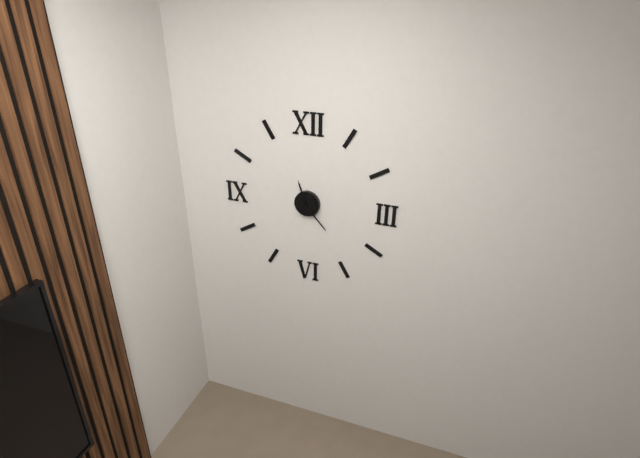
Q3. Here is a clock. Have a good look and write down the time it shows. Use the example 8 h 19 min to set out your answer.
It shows 11 h 23 min
